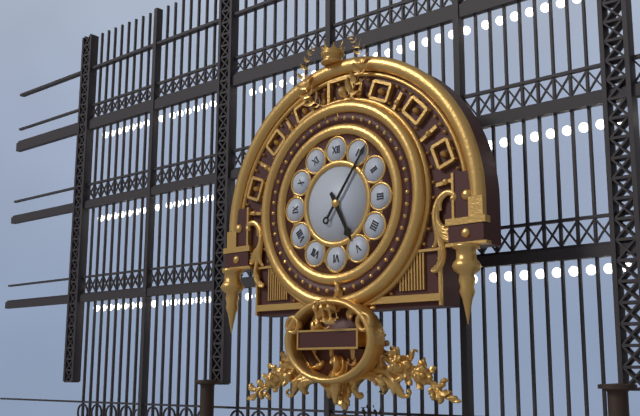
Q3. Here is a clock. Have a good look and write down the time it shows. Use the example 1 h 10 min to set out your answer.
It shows 5 h 06 min
